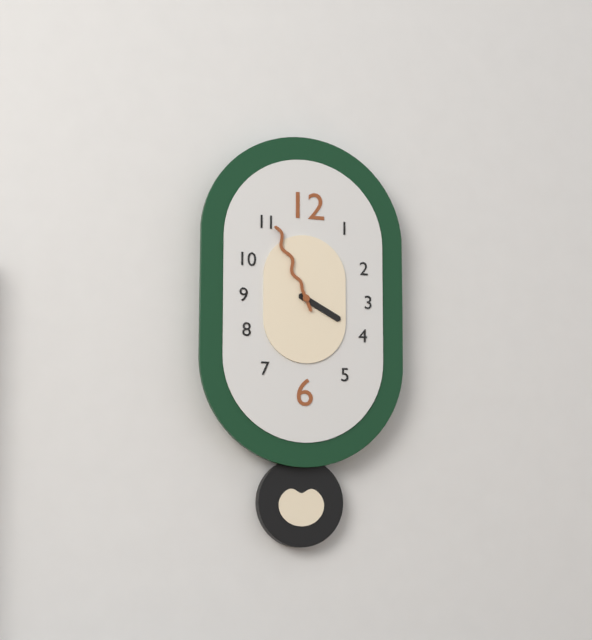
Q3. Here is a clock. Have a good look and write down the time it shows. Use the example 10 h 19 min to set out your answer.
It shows 3 h 56 min
